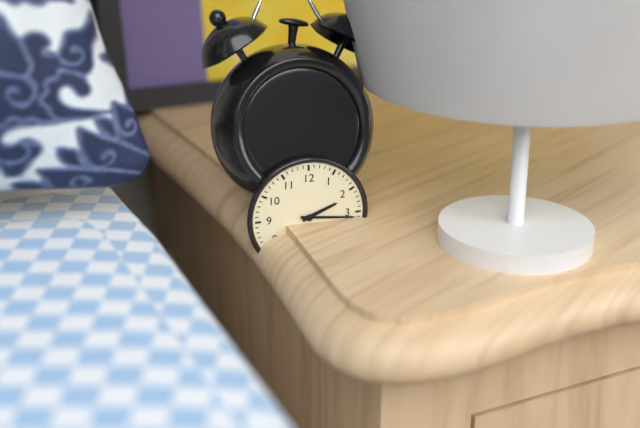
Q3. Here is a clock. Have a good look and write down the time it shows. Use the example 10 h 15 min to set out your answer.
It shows 2 h 16 min
